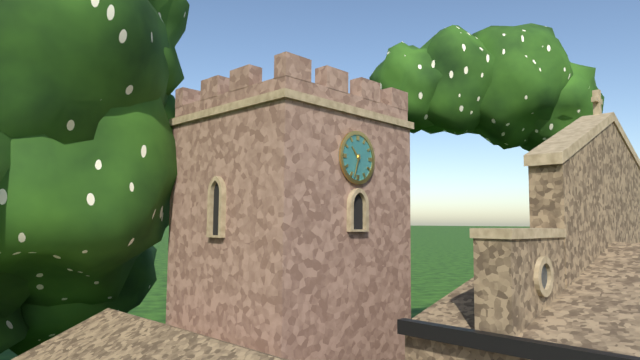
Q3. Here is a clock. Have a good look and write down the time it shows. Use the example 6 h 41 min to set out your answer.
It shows 10 h 33 min
